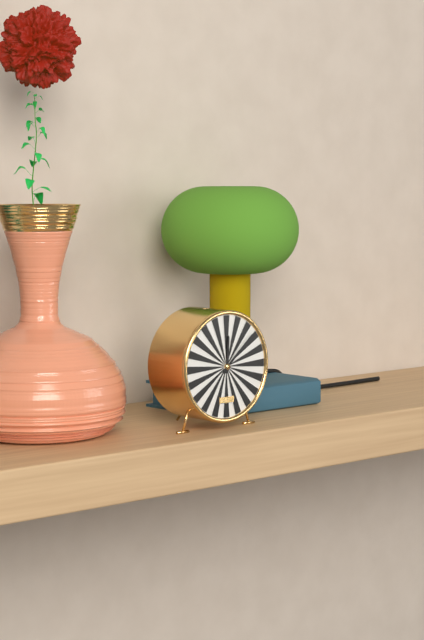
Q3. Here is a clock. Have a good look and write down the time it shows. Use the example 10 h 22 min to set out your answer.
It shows 12 h 08 min
